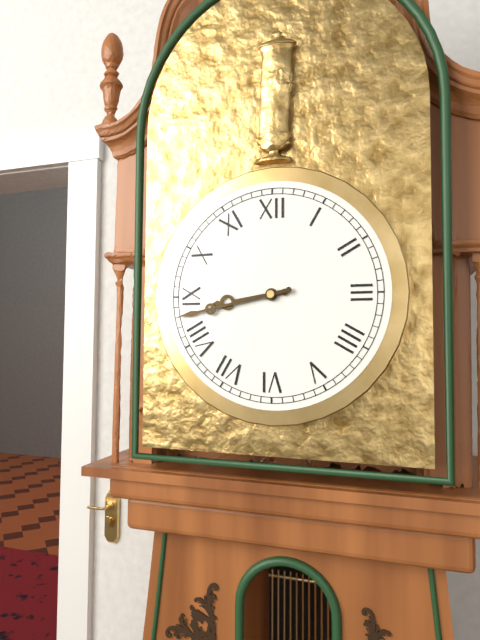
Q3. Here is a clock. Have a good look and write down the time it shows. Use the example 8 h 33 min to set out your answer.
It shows 8 h 43 min
